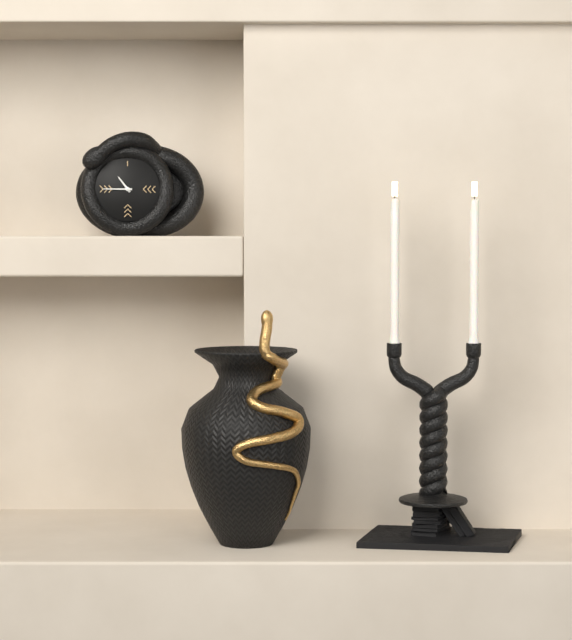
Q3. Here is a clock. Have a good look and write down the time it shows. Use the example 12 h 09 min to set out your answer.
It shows 10 h 45 min
